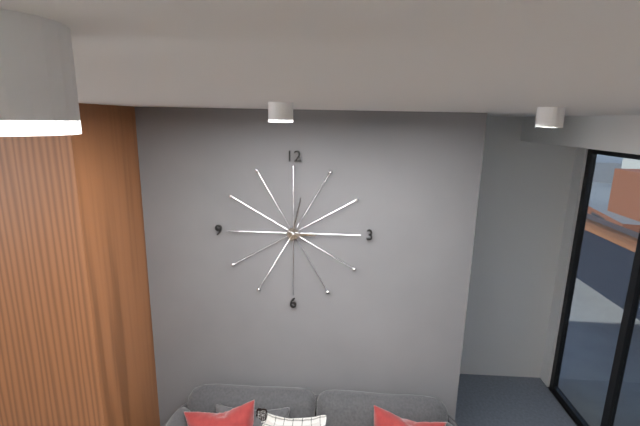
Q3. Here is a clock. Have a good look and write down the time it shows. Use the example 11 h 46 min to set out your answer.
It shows 3 h 02 min
